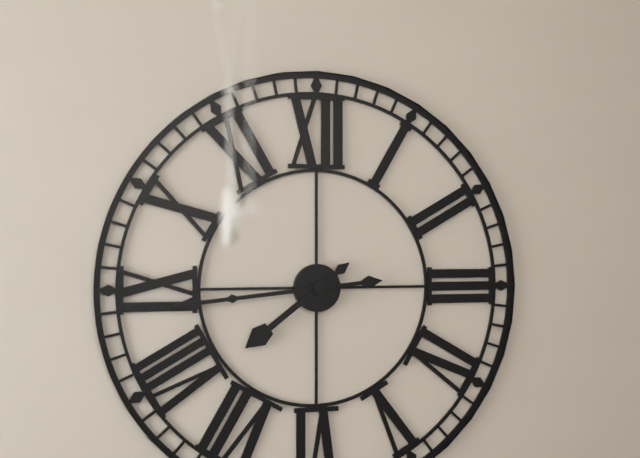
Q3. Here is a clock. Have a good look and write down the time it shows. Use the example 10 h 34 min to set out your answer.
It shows 7 h 44 min
